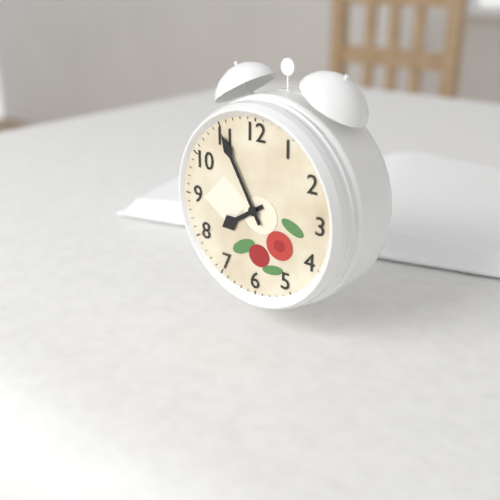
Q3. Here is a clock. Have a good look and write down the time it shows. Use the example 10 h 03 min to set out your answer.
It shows 7 h 55 min
